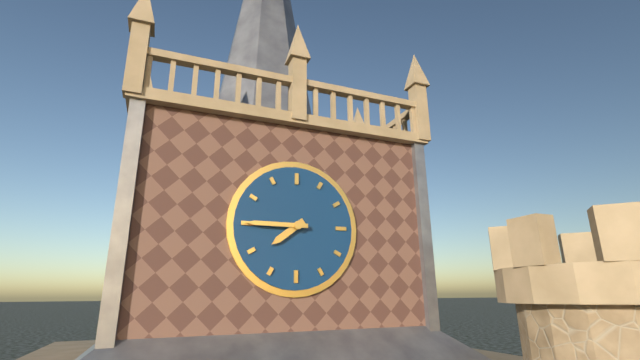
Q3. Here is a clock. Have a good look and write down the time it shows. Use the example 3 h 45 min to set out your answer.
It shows 7 h 45 min
